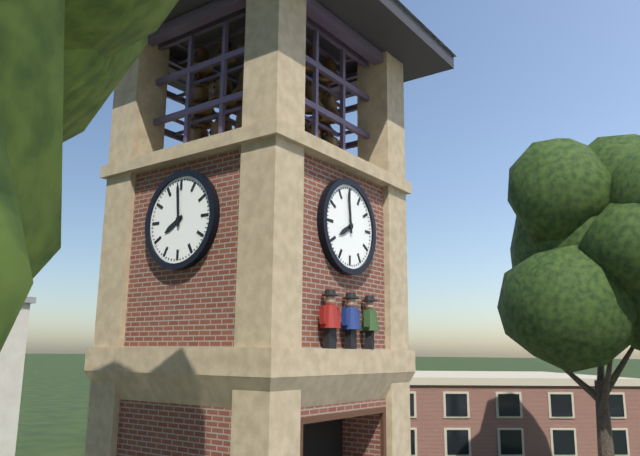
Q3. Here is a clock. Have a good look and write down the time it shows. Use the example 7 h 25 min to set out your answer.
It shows 7 h 59 min
